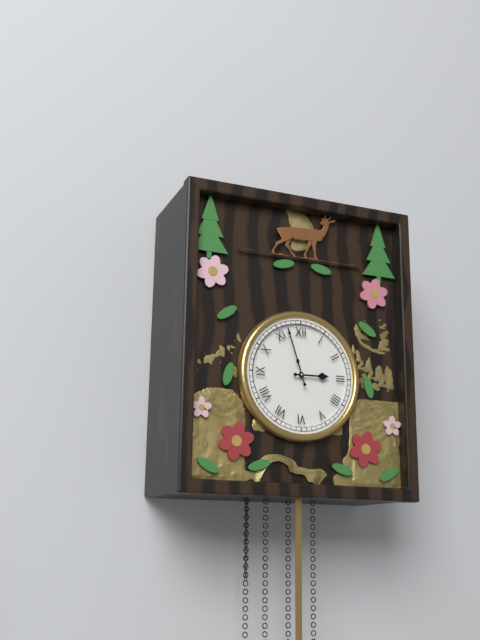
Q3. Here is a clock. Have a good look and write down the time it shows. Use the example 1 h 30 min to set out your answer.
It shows 2 h 57 min
